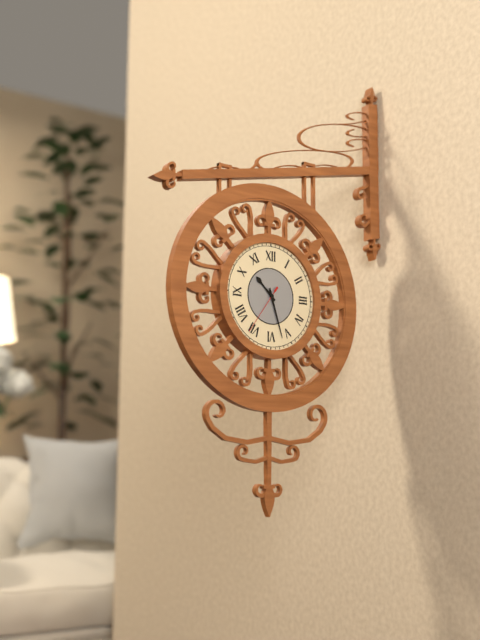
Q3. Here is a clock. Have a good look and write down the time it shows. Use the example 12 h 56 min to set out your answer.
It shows 10 h 27 min
